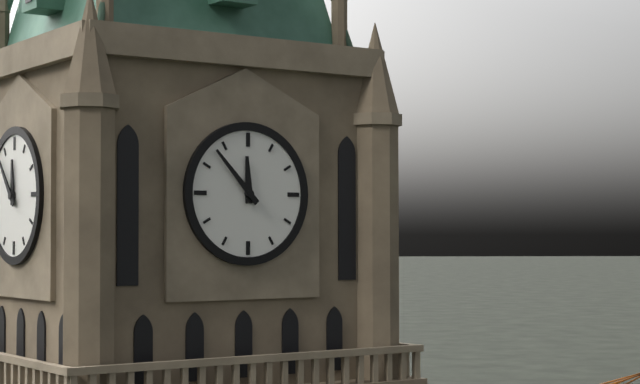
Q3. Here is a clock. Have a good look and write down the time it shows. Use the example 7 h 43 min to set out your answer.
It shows 11 h 53 min
